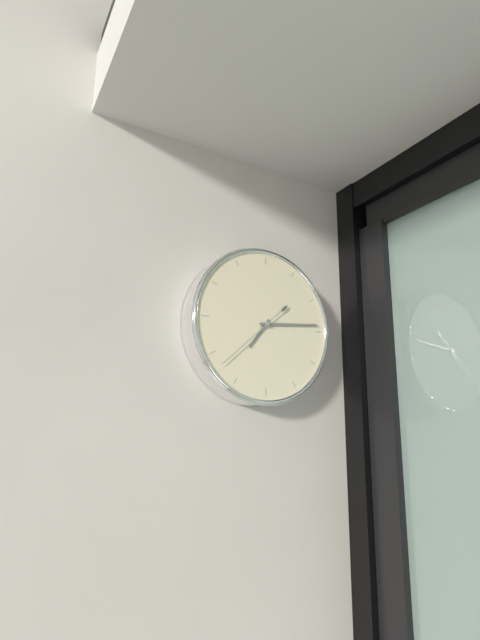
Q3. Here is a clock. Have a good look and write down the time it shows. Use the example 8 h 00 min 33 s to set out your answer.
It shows 7 h 14 min 38 s
